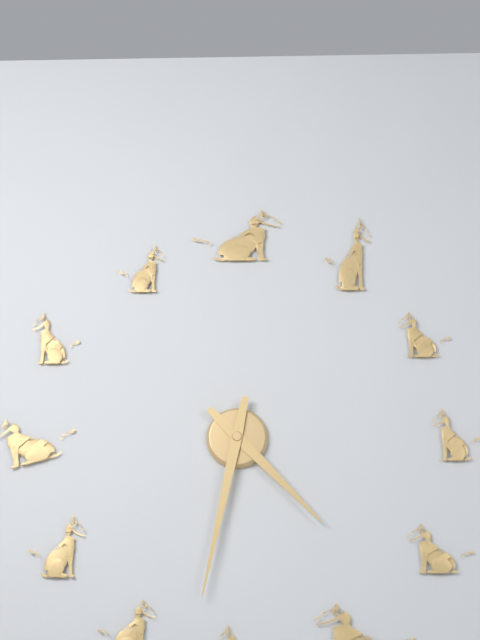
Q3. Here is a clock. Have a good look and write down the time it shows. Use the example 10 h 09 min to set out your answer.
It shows 4 h 32 min
